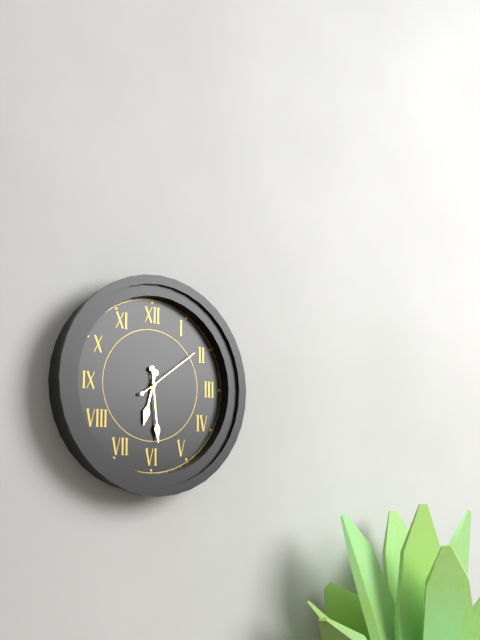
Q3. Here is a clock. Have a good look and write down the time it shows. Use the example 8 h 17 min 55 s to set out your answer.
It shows 6 h 29 min 09 s
